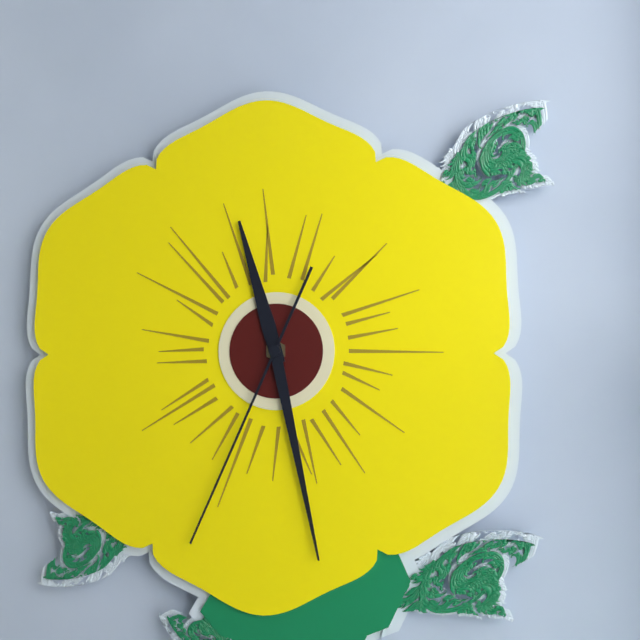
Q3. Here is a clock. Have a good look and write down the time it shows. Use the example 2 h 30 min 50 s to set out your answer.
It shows 11 h 28 min 34 s
